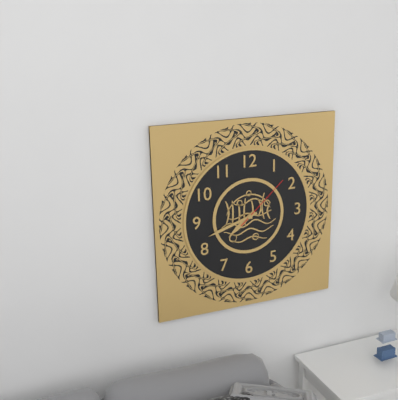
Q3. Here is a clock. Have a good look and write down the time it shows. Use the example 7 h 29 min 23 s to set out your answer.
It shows 7 h 42 min 08 s
